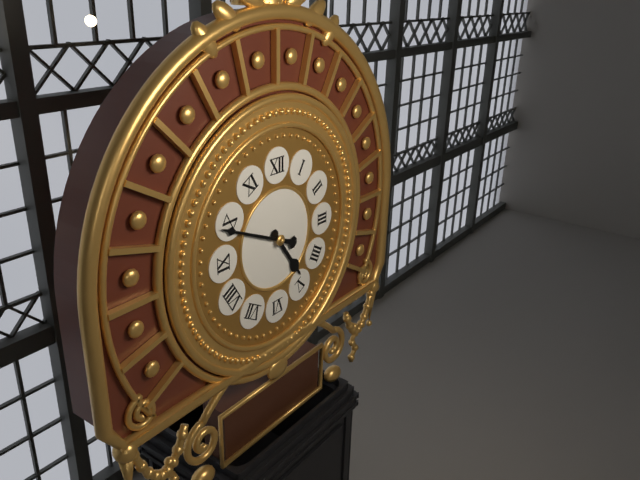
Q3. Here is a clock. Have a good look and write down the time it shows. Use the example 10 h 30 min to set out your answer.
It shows 4 h 49 min
